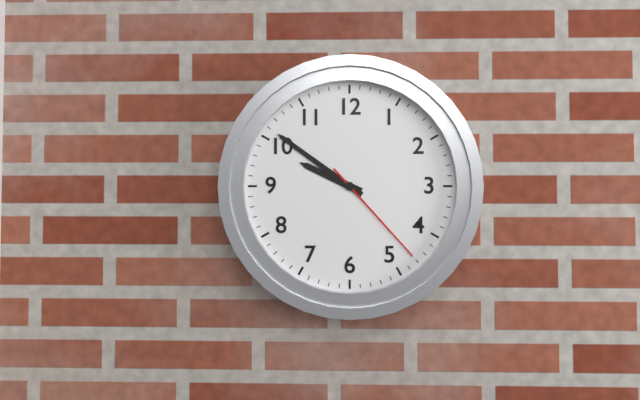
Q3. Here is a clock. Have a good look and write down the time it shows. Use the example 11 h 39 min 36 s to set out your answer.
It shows 9 h 51 min 23 s
